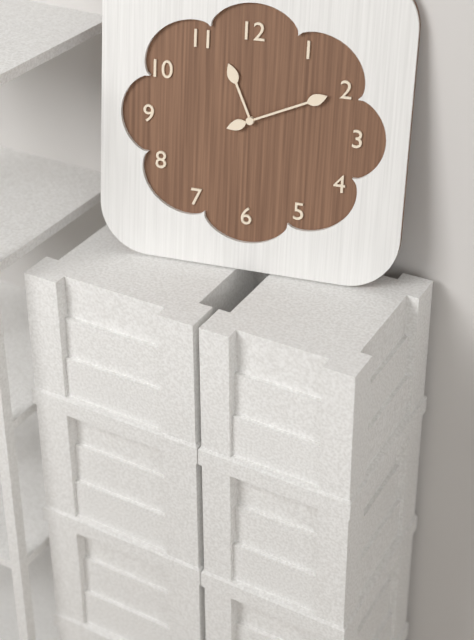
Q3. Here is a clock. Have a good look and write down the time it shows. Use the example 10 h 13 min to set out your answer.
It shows 11 h 11 min
